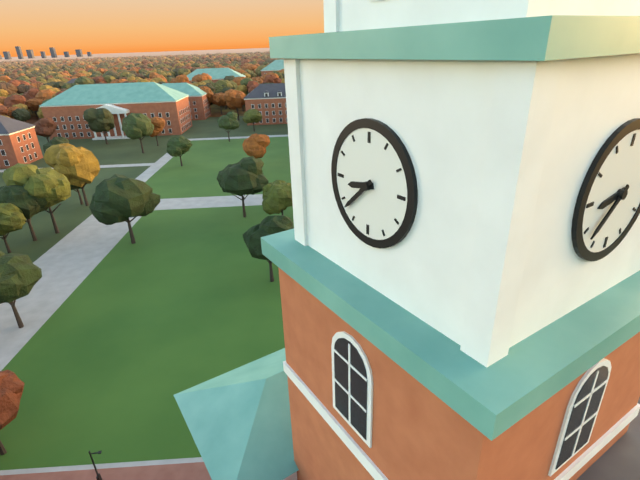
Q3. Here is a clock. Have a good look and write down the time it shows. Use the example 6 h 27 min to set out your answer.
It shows 8 h 38 min
